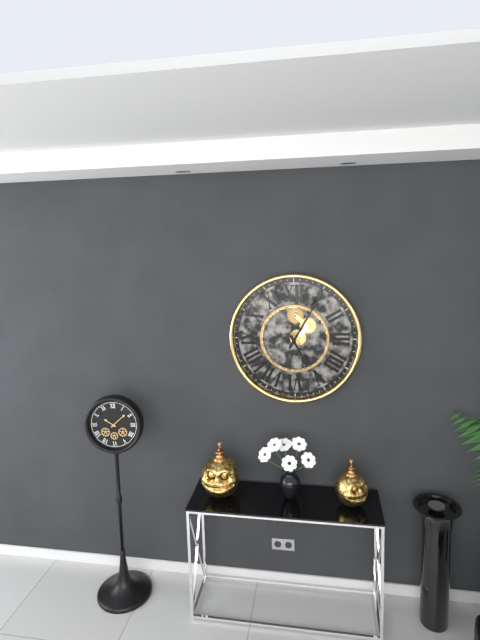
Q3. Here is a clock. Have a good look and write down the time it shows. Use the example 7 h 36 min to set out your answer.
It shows 5 h 05 min
